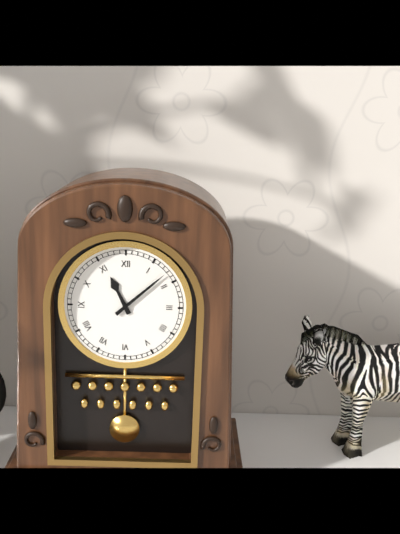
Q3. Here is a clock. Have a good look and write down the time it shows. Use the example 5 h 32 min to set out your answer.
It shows 11 h 08 min
